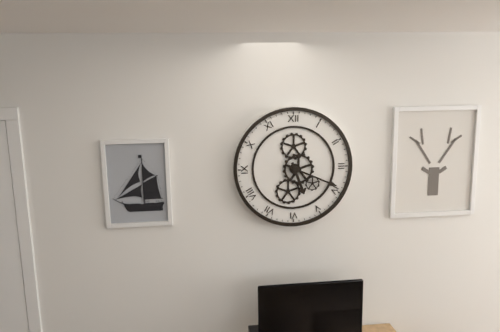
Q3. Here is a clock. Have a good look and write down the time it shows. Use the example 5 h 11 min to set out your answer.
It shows 5 h 19 min
